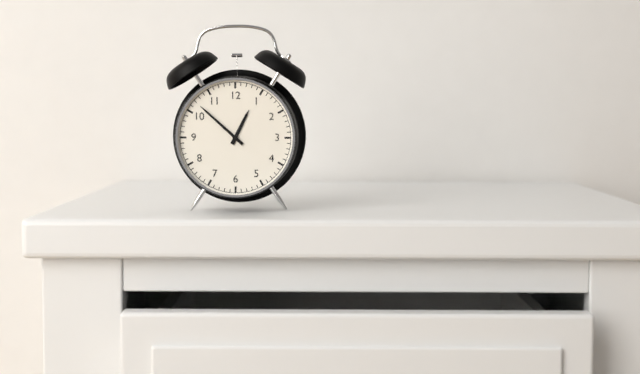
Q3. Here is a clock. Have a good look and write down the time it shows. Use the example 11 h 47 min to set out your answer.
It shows 12 h 52 min
